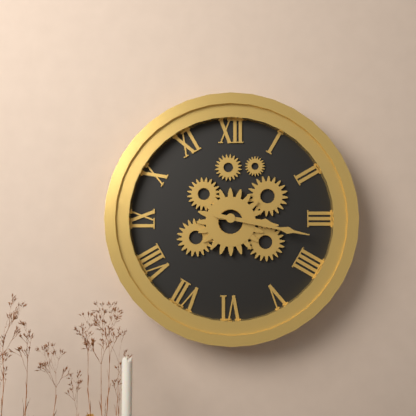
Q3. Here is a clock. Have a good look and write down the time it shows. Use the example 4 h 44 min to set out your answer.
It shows 3 h 17 min
